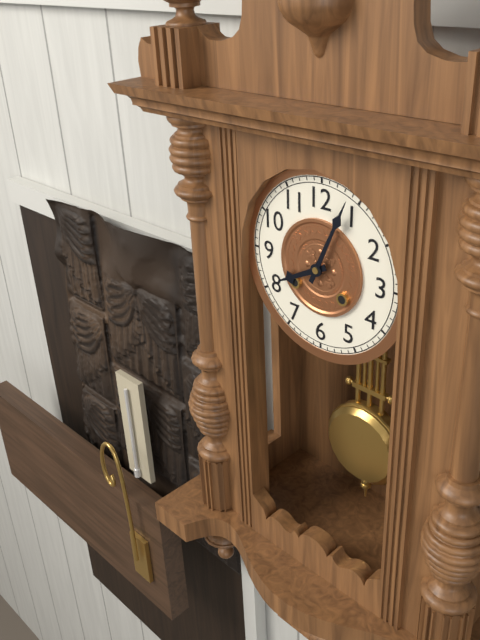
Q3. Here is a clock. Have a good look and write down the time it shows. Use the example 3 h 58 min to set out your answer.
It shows 8 h 04 min
